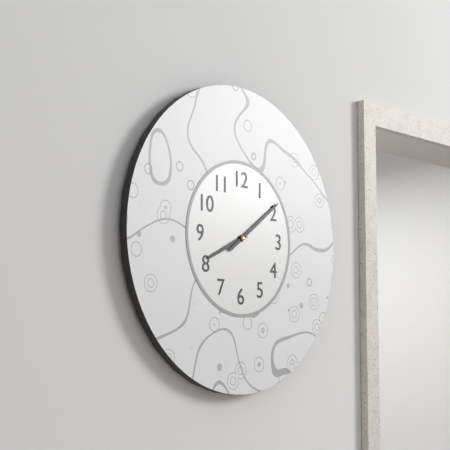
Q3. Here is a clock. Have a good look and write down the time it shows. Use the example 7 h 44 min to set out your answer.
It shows 8 h 09 min
